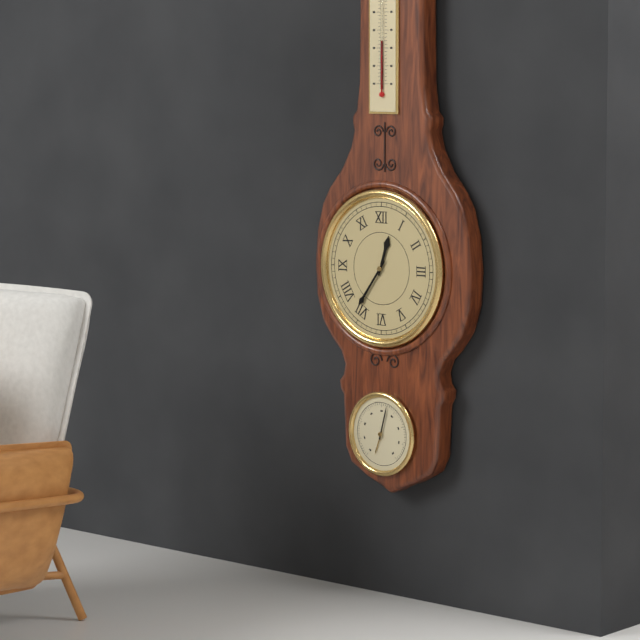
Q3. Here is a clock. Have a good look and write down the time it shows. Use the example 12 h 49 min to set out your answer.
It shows 12 h 36 min
